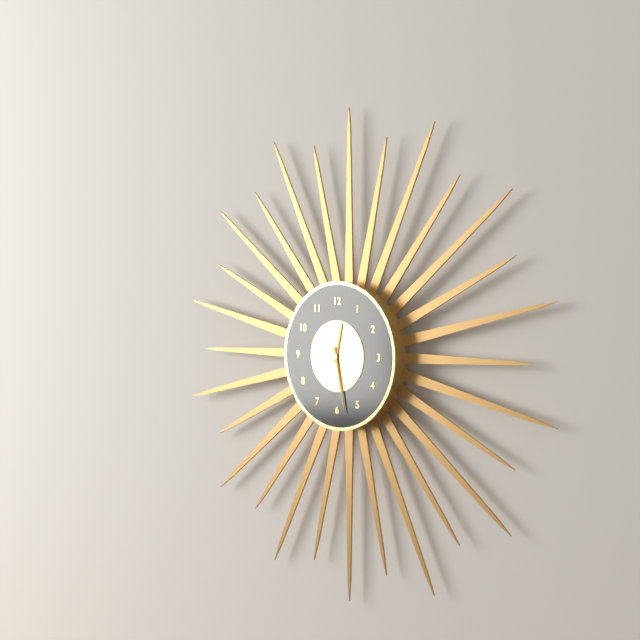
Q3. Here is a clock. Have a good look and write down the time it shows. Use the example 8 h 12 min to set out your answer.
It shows 12 h 28 min
